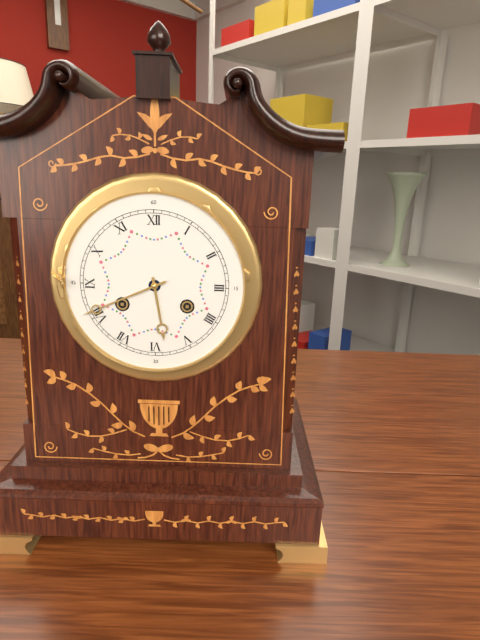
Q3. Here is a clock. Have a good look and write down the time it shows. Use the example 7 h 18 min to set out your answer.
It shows 5 h 41 min
